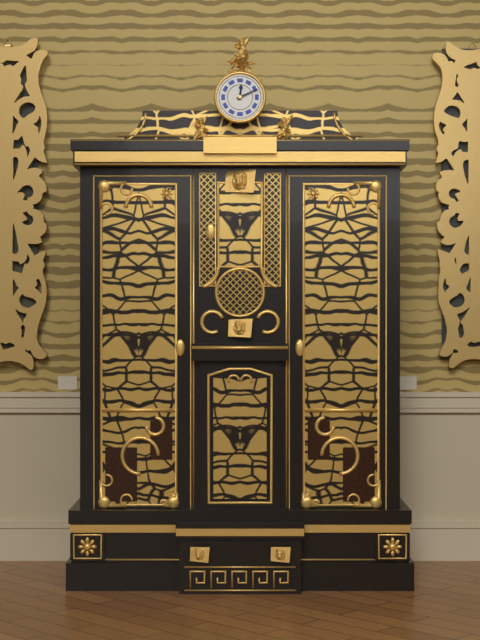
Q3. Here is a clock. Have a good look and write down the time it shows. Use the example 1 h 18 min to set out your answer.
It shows 12 h 11 min
